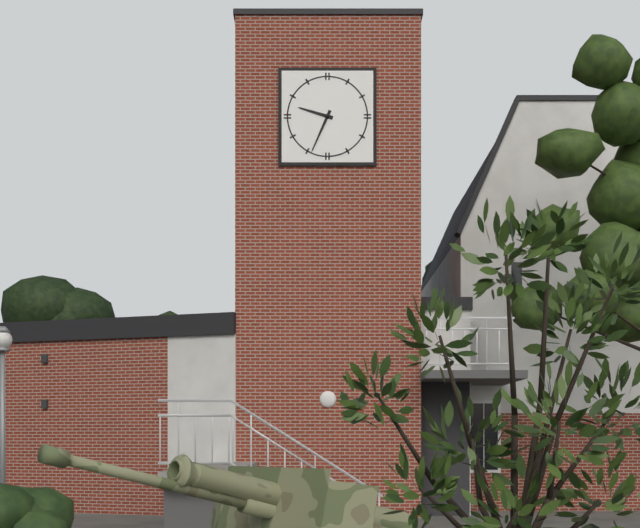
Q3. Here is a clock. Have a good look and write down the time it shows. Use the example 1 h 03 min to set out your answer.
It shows 9 h 34 min
